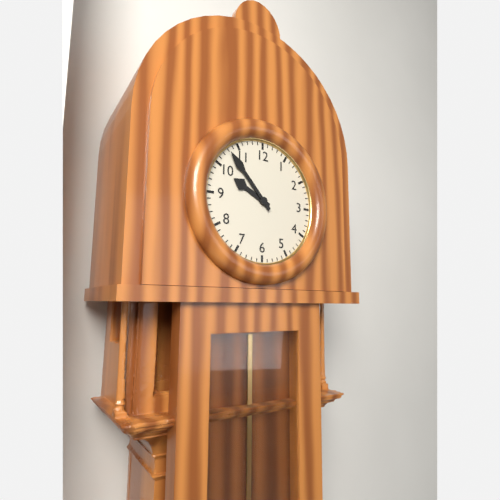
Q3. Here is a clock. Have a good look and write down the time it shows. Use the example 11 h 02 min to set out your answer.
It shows 9 h 53 min
